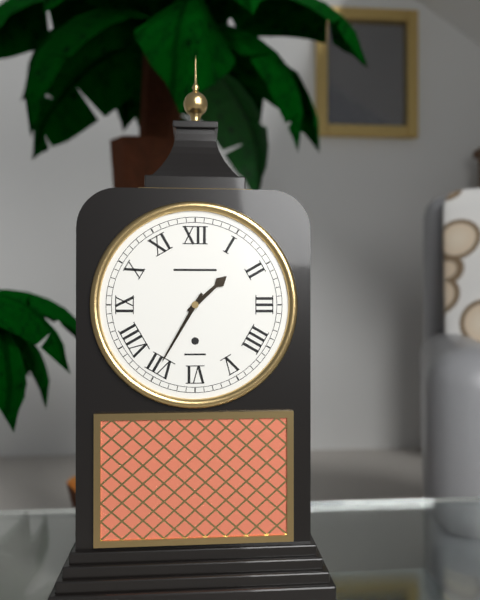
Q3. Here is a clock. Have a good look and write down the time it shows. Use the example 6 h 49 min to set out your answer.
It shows 1 h 35 min
